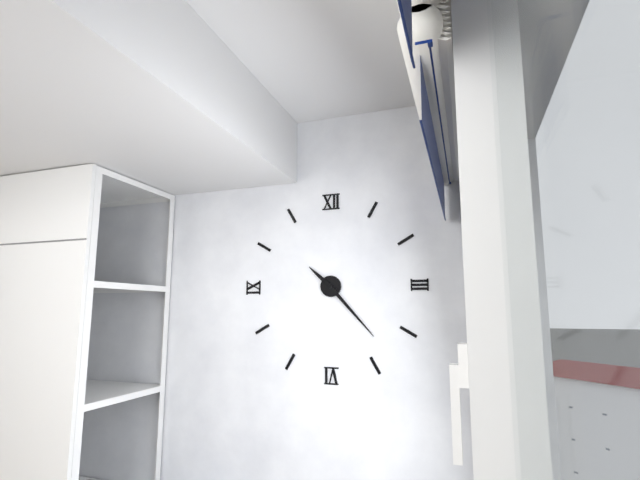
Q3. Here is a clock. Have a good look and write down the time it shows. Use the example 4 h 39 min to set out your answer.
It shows 10 h 23 min
